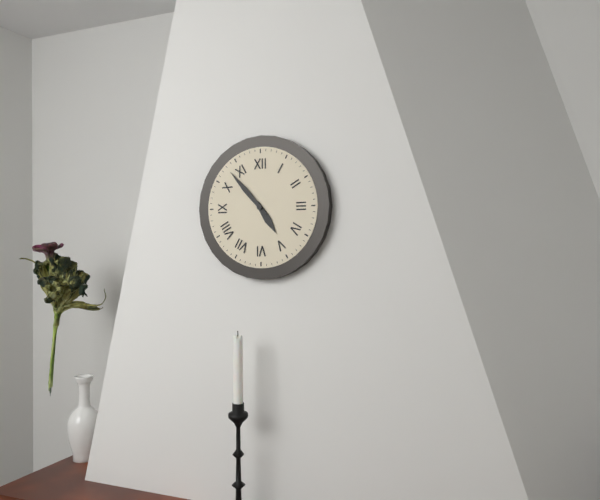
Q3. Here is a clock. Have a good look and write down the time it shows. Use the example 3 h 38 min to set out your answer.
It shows 4 h 53 min
